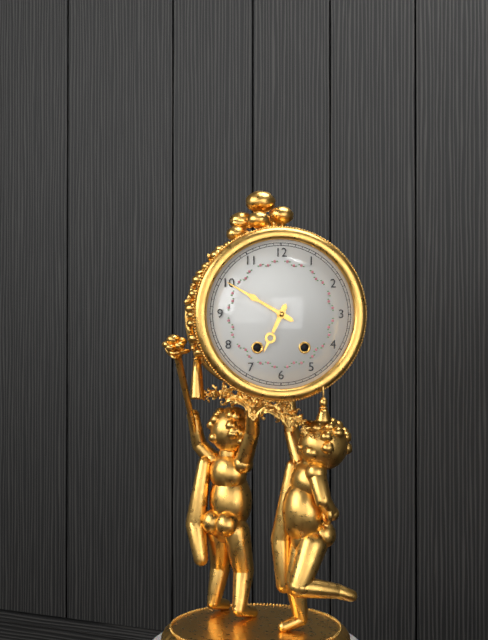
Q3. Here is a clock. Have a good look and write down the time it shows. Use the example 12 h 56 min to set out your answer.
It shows 6 h 50 min
